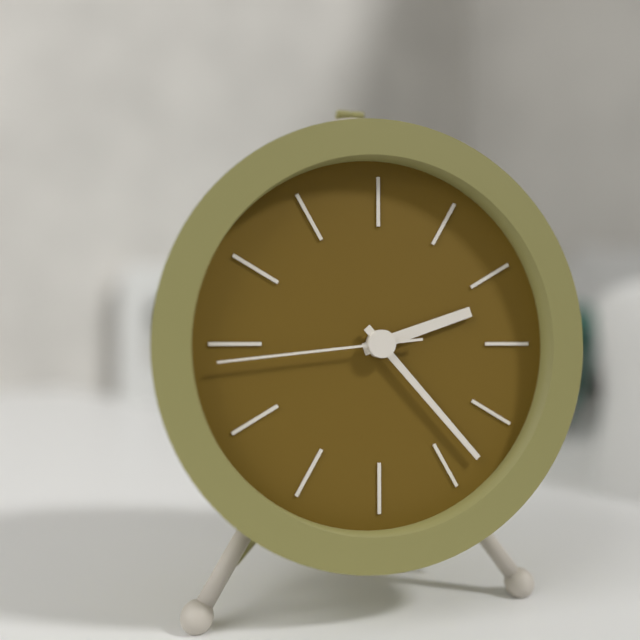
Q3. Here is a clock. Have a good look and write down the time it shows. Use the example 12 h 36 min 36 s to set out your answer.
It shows 2 h 23 min 44 s
